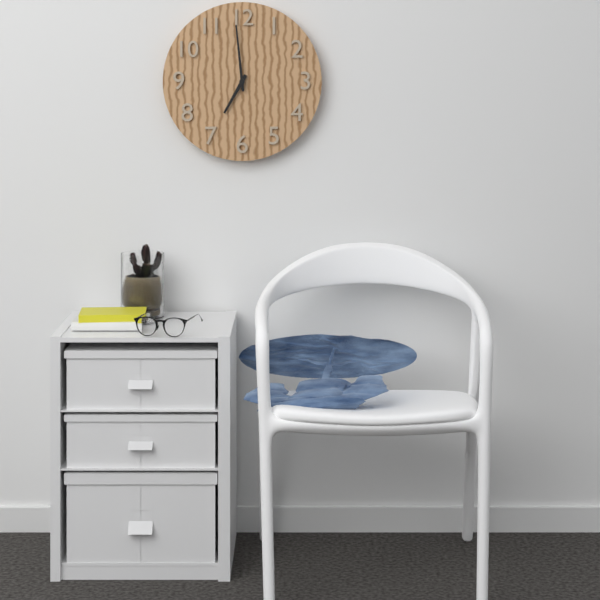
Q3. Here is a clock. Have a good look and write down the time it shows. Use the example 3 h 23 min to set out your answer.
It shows 6 h 59 min
